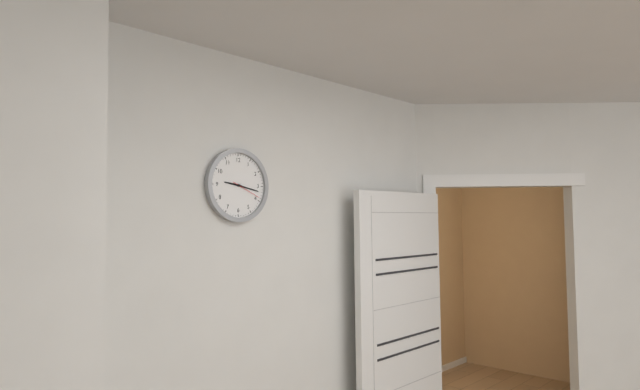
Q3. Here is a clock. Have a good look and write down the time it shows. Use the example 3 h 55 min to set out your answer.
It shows 9 h 17 min
